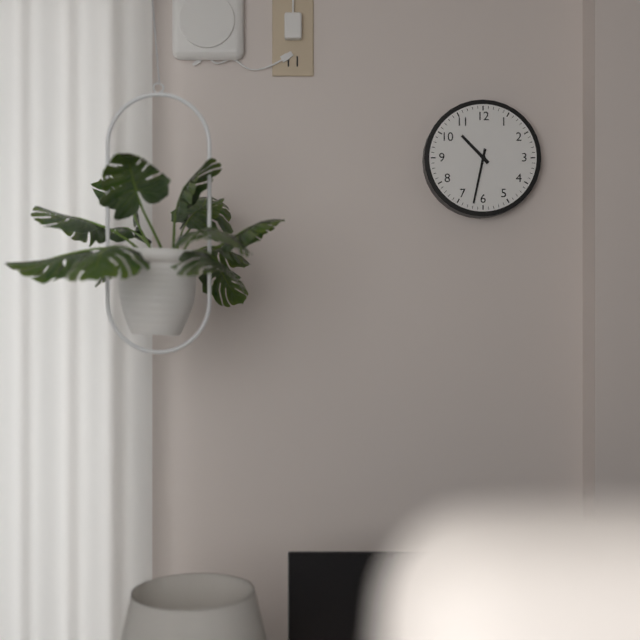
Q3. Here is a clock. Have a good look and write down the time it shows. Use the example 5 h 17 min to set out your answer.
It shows 10 h 32 min
